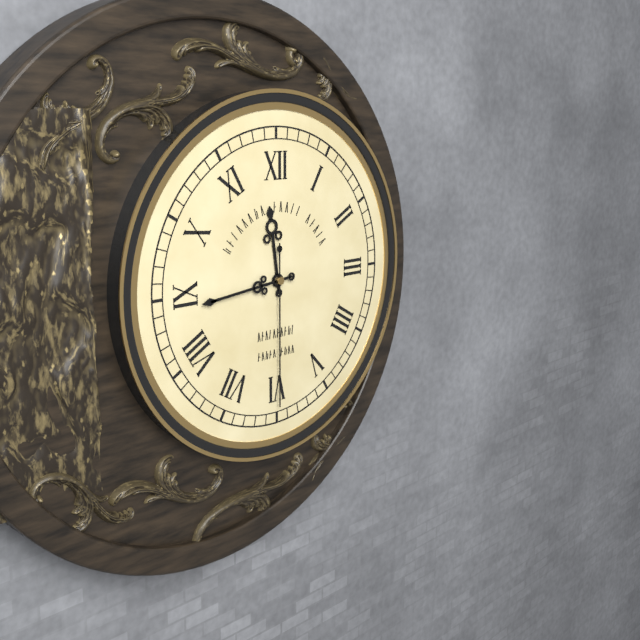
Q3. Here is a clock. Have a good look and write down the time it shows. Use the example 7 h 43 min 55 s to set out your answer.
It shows 11 h 44 min 30 s
